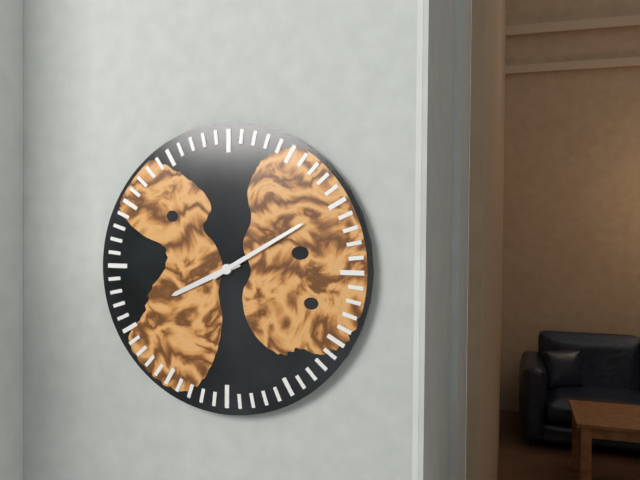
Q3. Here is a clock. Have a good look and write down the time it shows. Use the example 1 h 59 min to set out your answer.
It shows 8 h 10 min
